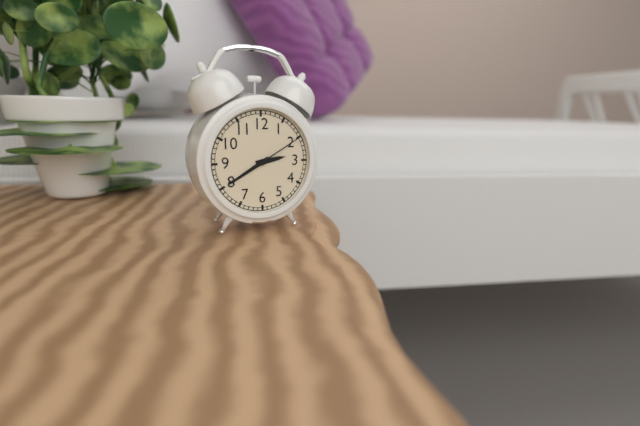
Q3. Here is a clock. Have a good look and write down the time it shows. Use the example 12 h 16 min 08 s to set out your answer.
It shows 2 h 40 min 10 s
